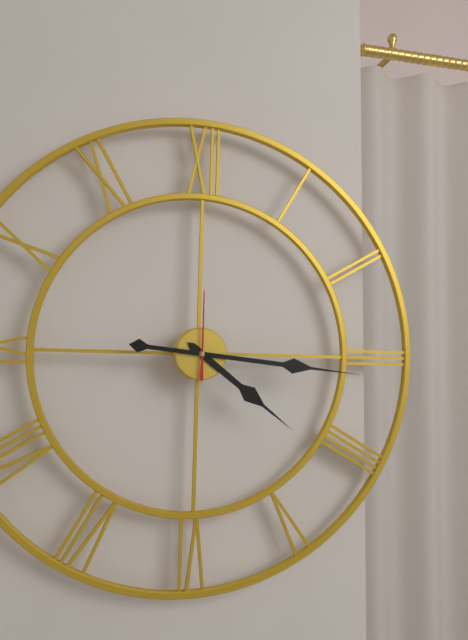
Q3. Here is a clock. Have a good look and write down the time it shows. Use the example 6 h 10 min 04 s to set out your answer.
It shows 4 h 16 min 00 s
